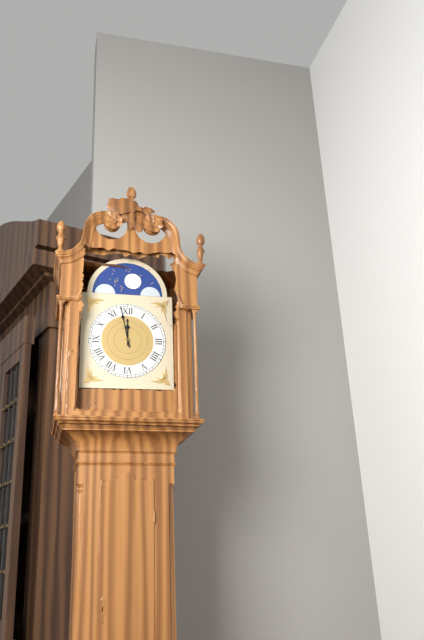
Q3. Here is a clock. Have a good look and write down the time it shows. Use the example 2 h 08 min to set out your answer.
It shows 11 h 58 min
